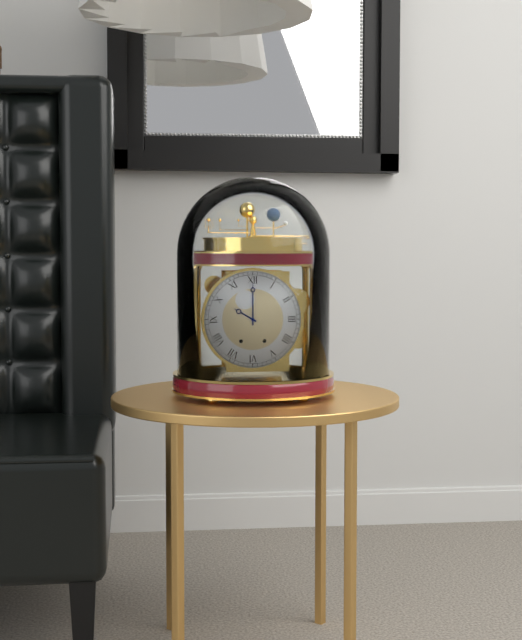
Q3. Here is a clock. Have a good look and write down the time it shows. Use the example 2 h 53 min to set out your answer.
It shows 10 h 00 min
